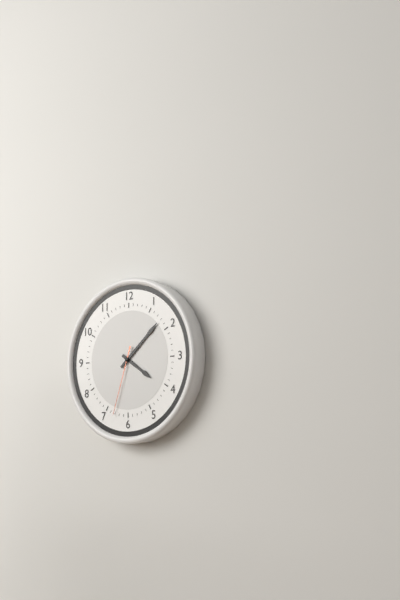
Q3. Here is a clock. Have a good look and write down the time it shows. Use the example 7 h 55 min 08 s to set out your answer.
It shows 4 h 08 min 33 s
